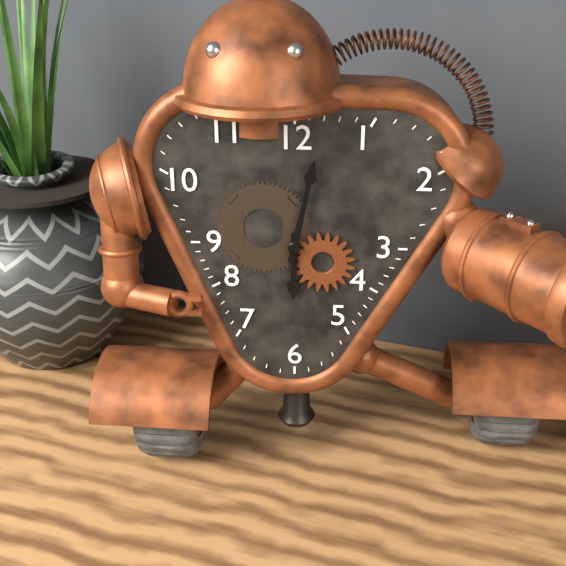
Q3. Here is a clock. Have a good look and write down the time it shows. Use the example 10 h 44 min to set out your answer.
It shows 6 h 02 min
